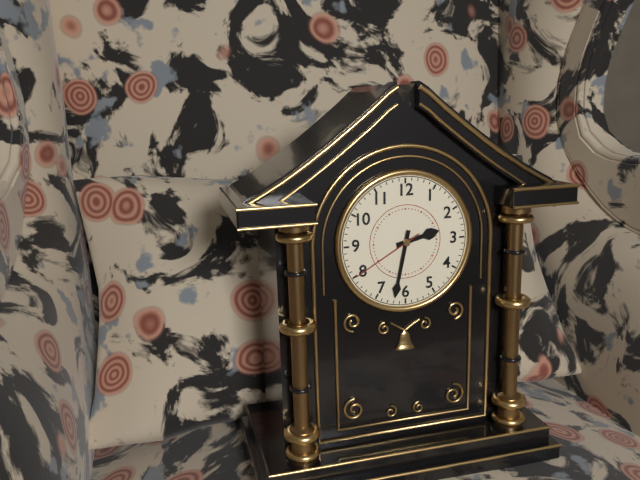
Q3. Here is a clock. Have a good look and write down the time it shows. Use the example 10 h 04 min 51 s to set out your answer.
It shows 2 h 32 min 40 s
